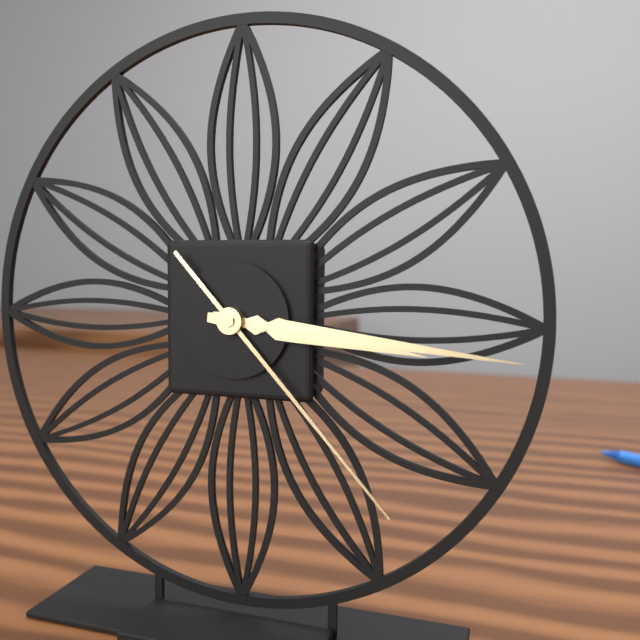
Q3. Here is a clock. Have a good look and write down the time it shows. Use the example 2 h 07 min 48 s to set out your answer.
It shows 3 h 16 min 23 s
